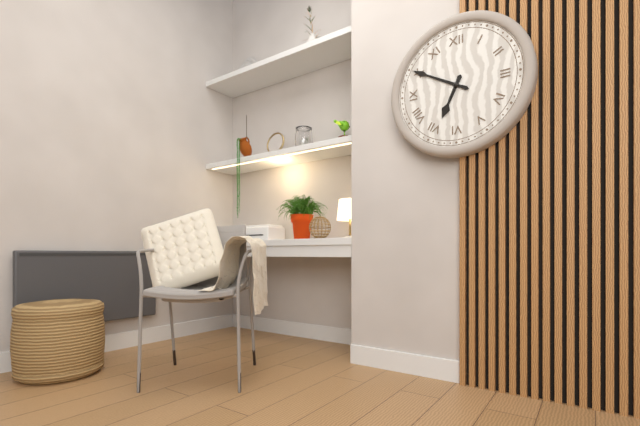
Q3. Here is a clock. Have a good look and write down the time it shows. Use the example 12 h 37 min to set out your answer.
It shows 6 h 50 min
